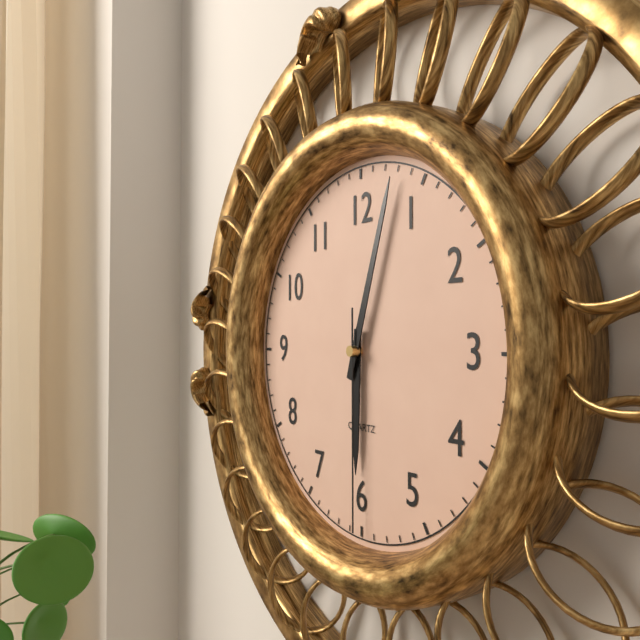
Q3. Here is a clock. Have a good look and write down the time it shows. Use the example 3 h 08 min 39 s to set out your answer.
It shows 6 h 03 min 30 s
